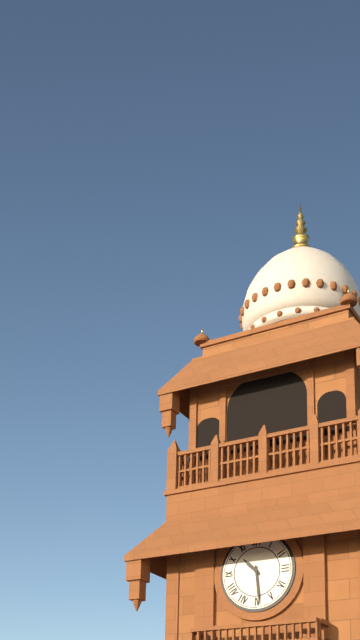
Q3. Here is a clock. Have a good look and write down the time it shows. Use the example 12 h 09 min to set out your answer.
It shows 10 h 29 min
